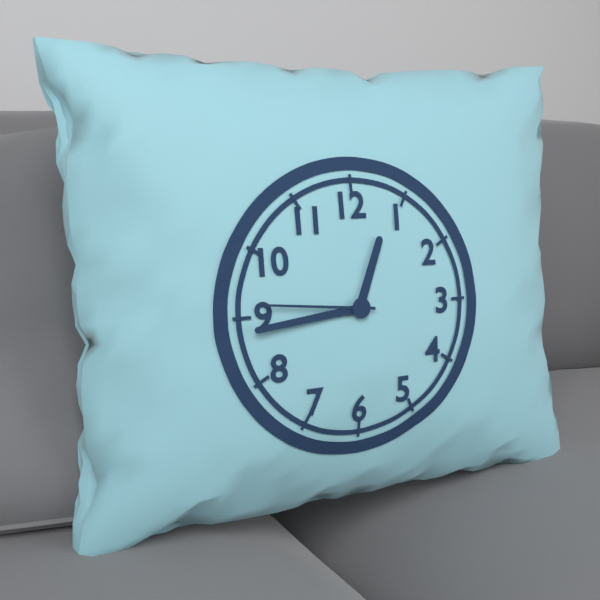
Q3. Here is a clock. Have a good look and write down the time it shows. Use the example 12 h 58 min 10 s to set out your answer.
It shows 12 h 44 min 46 s
